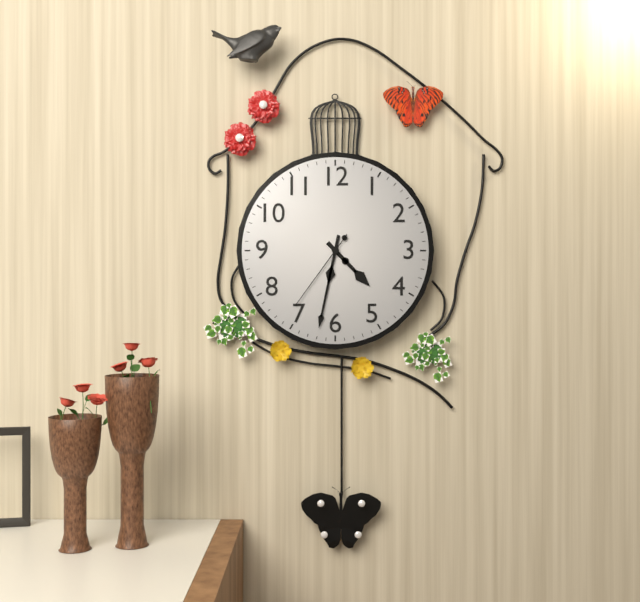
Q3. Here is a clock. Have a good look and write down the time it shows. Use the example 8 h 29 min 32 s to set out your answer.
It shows 4 h 32 min 36 s
